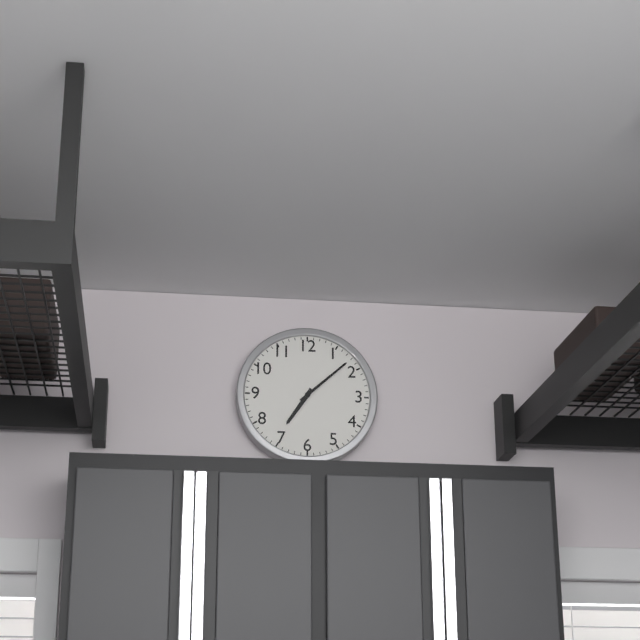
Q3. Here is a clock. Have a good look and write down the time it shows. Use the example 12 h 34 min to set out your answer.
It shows 7 h 08 min
